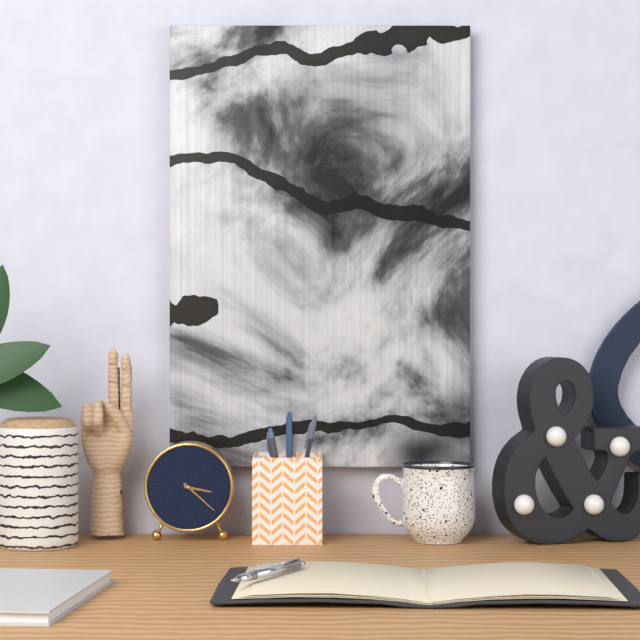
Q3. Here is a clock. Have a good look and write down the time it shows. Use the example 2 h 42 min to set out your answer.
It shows 3 h 22 min
